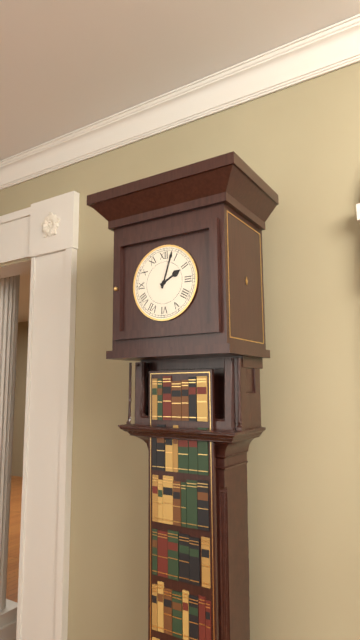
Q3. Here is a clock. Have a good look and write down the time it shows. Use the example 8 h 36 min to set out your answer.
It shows 2 h 03 min
